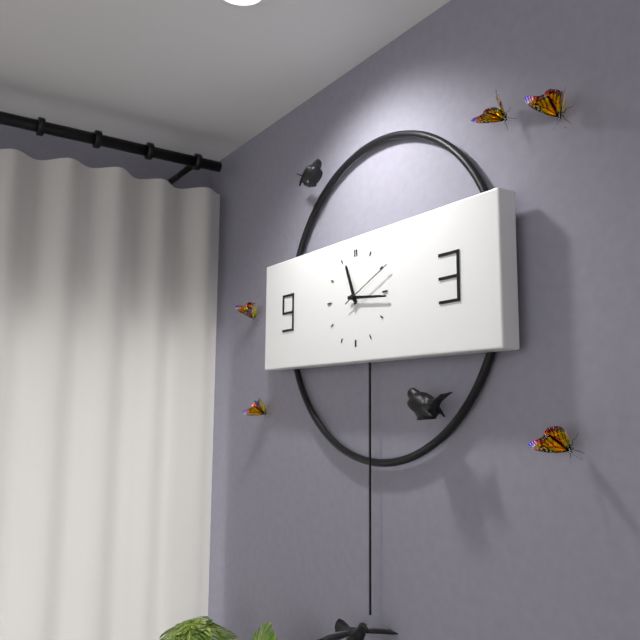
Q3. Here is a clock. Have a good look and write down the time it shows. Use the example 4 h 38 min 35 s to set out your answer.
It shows 11 h 16 min 11 s
